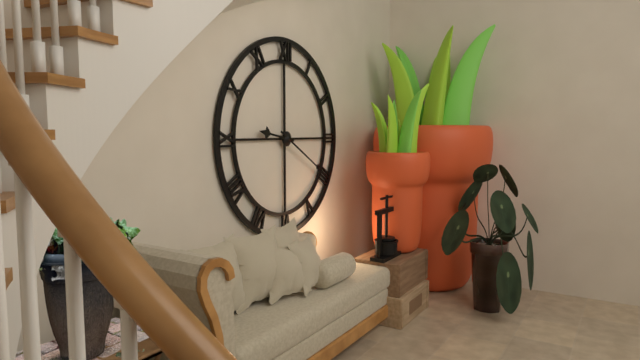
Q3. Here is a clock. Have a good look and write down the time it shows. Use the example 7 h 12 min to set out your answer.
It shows 9 h 20 min
